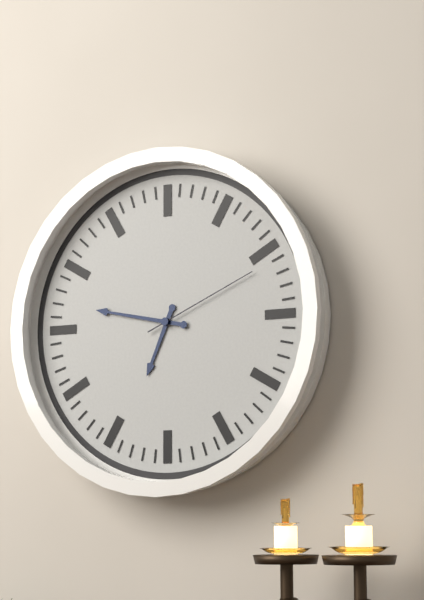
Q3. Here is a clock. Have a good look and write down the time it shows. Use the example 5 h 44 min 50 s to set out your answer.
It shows 6 h 47 min 11 s
